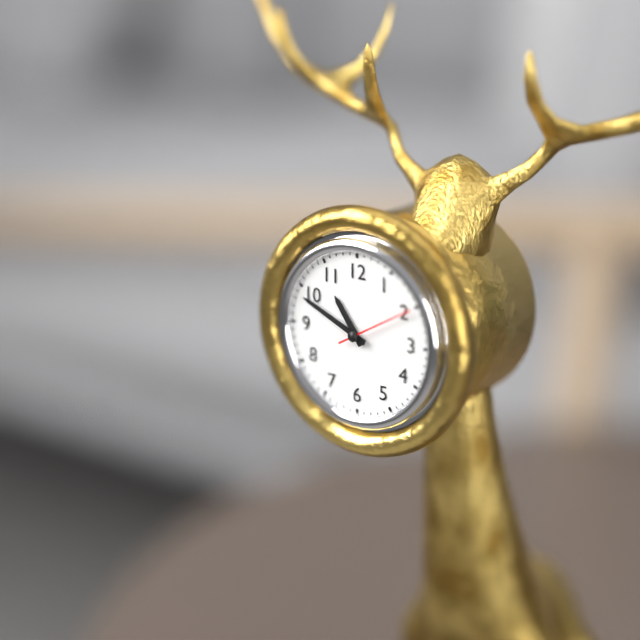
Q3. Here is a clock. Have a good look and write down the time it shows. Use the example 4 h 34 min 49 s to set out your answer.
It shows 10 h 49 min 10 s
